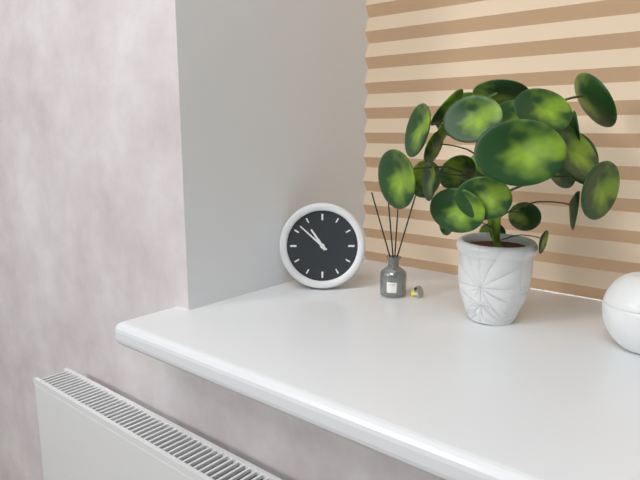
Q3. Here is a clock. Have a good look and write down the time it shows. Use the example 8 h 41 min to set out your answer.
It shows 10 h 52 min
